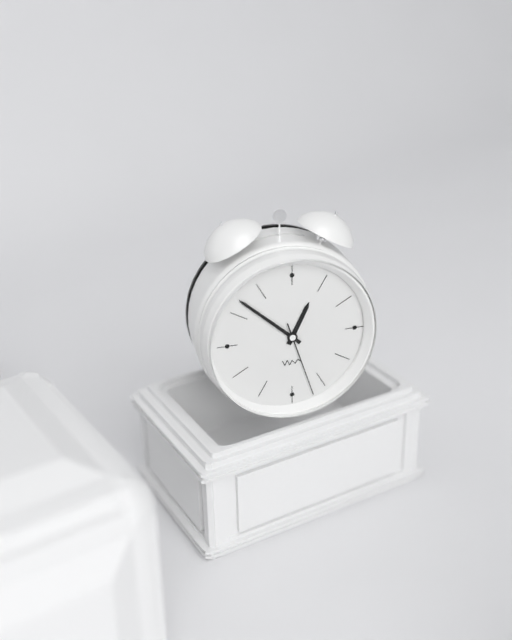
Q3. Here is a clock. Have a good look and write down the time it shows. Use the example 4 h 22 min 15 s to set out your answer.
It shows 12 h 52 min 27 s
